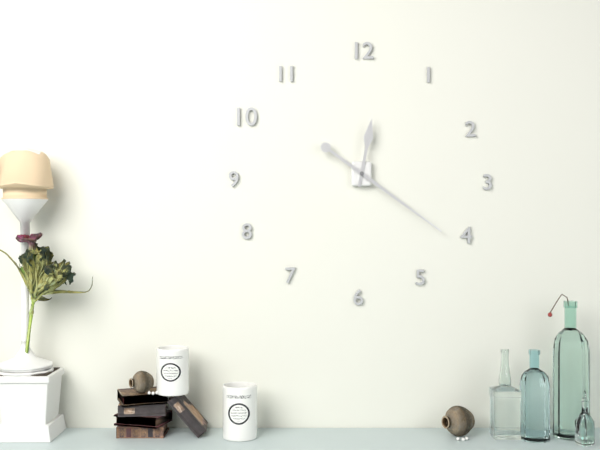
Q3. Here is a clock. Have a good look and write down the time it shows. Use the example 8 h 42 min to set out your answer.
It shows 12 h 21 min
